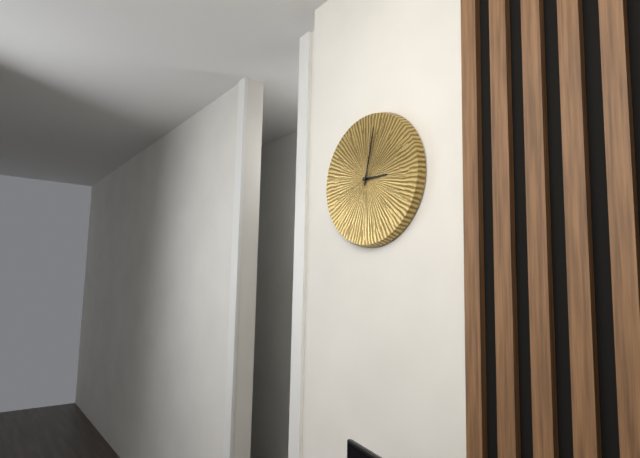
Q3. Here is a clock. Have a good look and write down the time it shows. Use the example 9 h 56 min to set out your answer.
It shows 3 h 02 min
